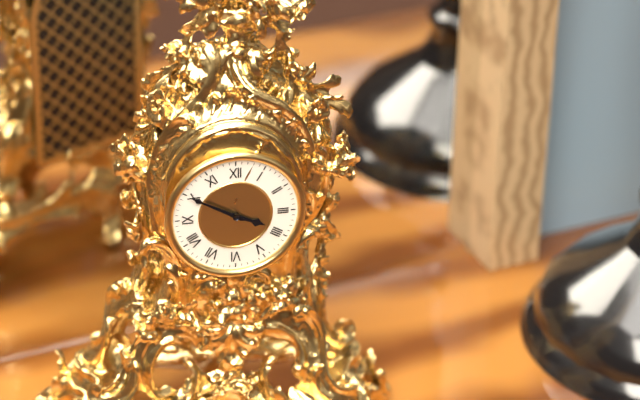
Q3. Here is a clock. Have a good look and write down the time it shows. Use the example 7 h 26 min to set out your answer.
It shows 3 h 50 min
